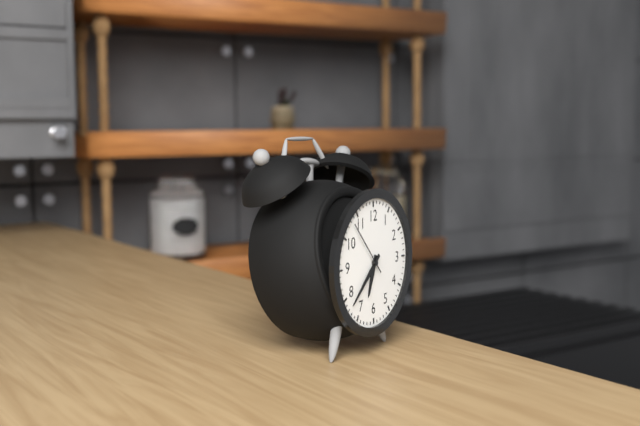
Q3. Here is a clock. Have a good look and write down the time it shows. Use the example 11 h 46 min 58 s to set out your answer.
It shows 6 h 38 min 53 s
